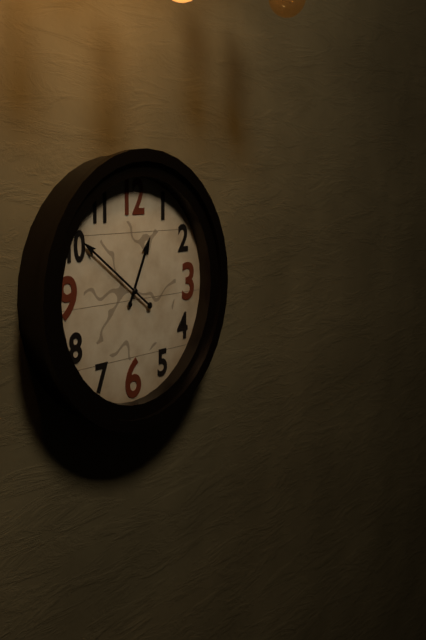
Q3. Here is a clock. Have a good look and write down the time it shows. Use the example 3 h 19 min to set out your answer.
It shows 12 h 51 min
